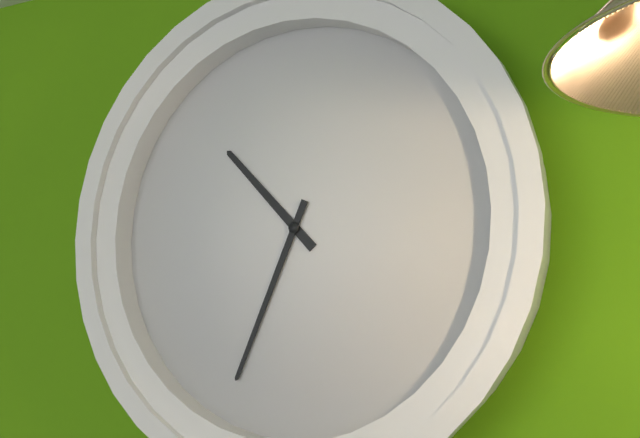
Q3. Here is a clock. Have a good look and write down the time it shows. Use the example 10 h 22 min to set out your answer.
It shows 10 h 34 min
